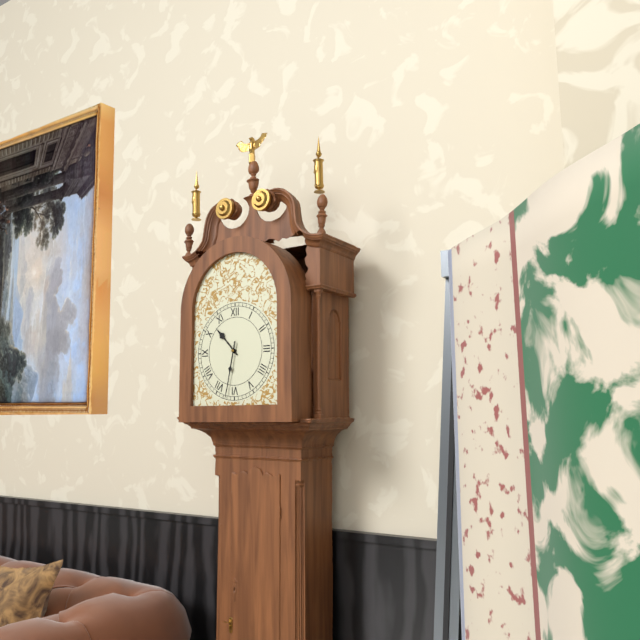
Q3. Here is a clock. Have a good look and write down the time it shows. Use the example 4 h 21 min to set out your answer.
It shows 10 h 32 min
